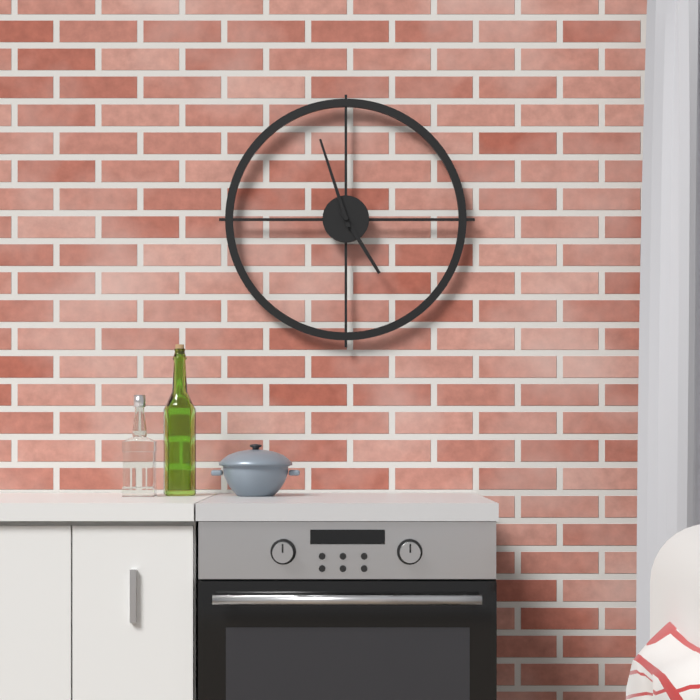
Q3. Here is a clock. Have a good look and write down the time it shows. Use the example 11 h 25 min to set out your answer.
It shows 4 h 57 min
